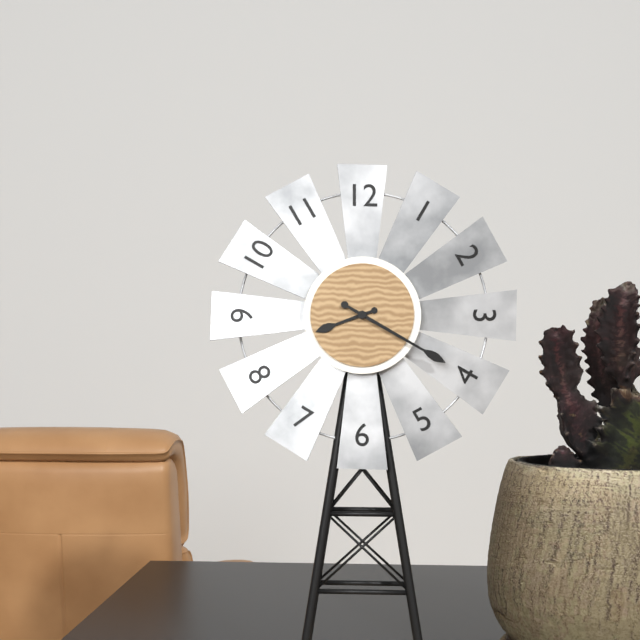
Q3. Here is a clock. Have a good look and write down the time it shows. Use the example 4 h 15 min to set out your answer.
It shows 8 h 20 min
